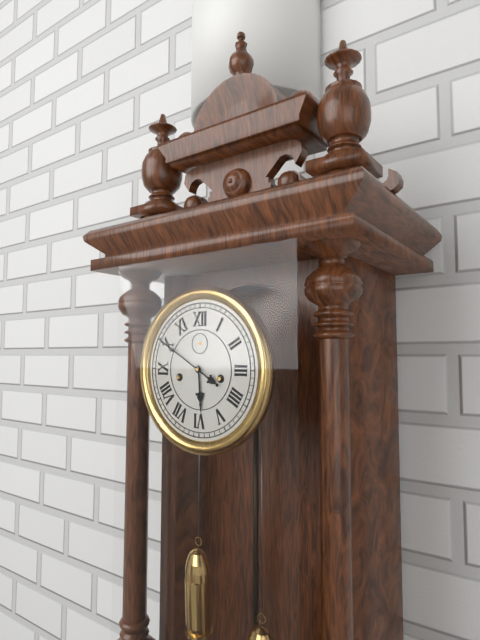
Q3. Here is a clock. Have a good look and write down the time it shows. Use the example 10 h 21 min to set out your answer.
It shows 5 h 50 min
